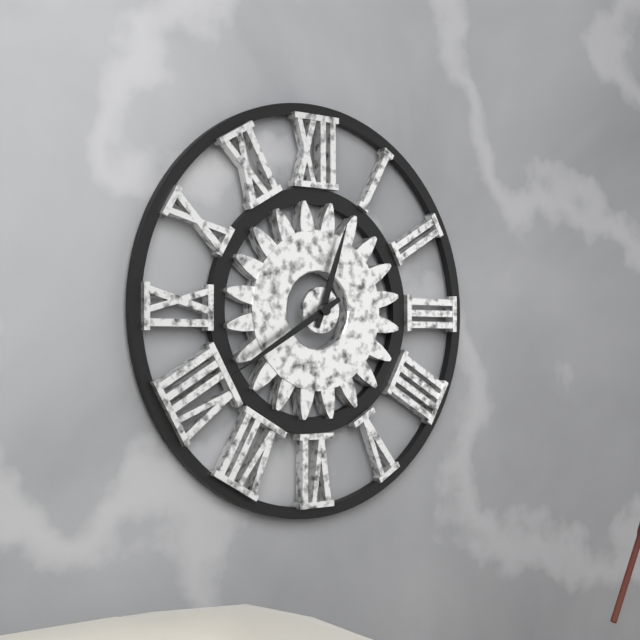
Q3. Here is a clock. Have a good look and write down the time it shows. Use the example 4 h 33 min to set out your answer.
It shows 12 h 40 min
